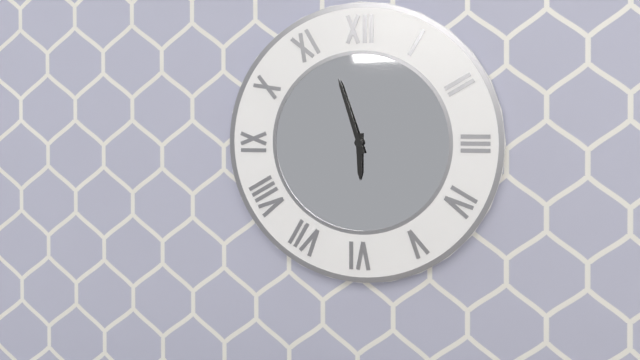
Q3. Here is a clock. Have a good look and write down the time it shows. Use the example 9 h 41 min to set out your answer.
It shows 5 h 57 min
